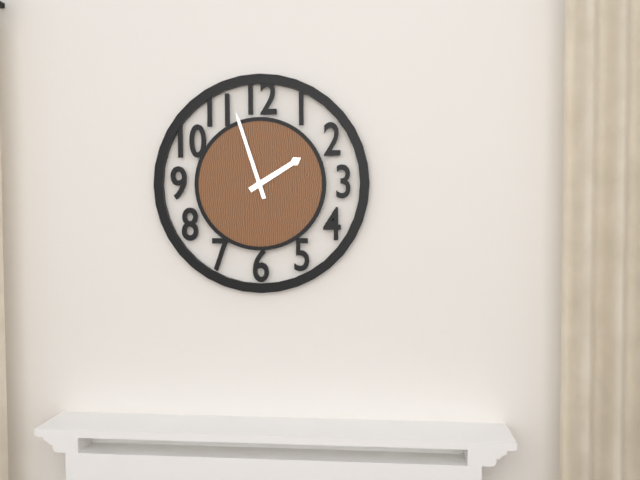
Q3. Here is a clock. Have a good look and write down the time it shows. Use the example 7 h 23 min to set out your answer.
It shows 1 h 57 min
